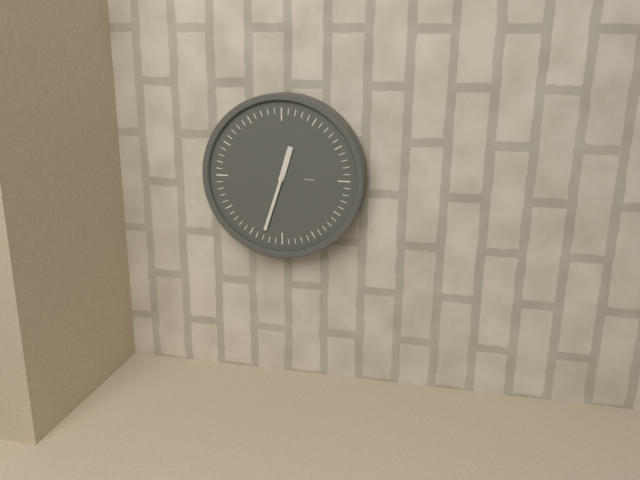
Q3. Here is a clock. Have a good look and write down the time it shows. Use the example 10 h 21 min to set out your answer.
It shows 12 h 33 min
